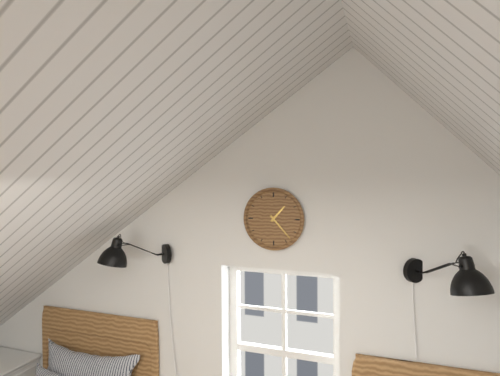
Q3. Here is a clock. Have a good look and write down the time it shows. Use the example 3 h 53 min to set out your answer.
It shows 1 h 23 min
